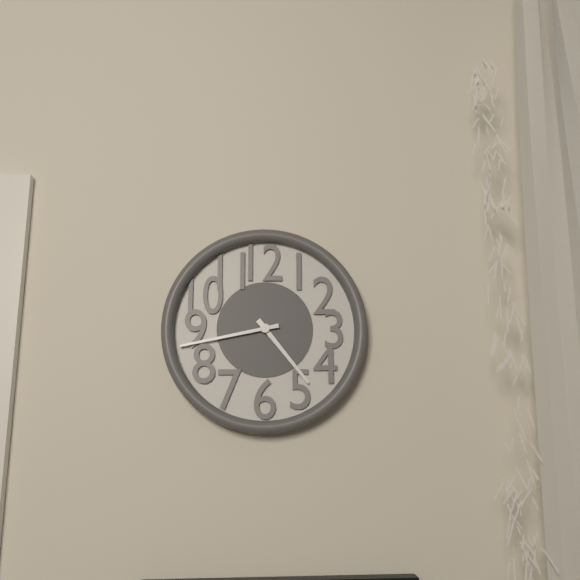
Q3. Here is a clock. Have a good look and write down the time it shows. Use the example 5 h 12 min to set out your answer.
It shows 4 h 43 min
